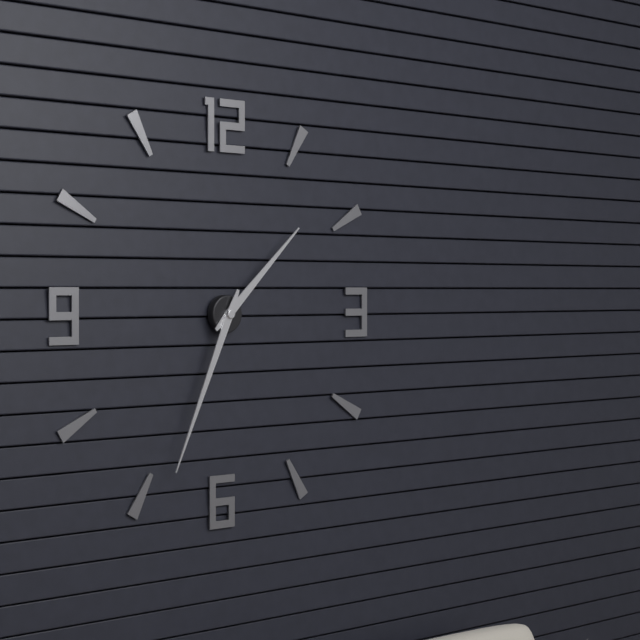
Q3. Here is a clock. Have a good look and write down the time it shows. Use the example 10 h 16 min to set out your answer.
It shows 1 h 34 min
